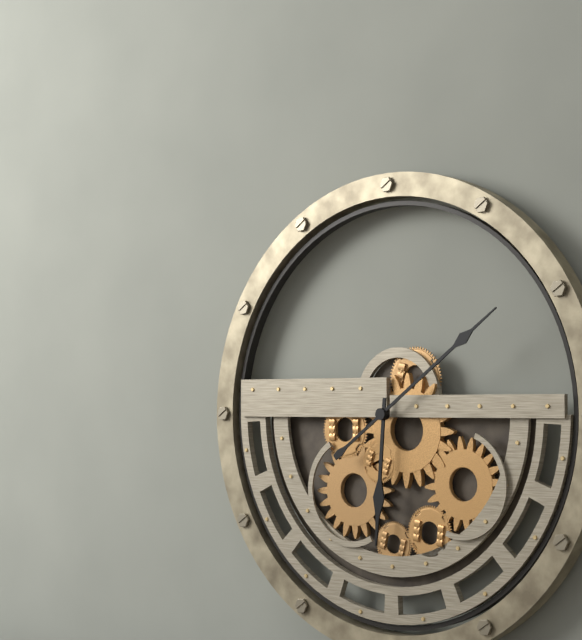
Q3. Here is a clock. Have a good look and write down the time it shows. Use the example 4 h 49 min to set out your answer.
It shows 6 h 09 min
